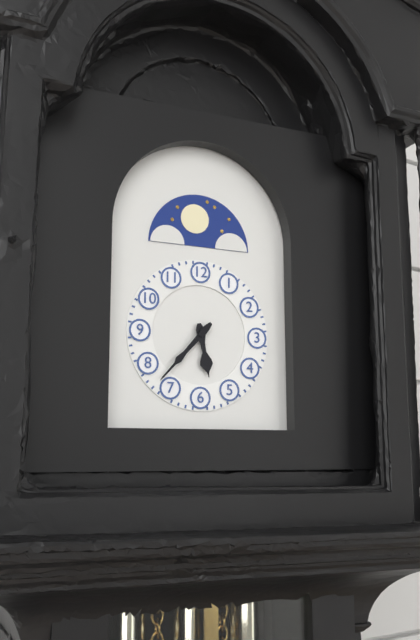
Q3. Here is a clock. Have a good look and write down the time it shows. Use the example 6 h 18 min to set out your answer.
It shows 5 h 37 min
